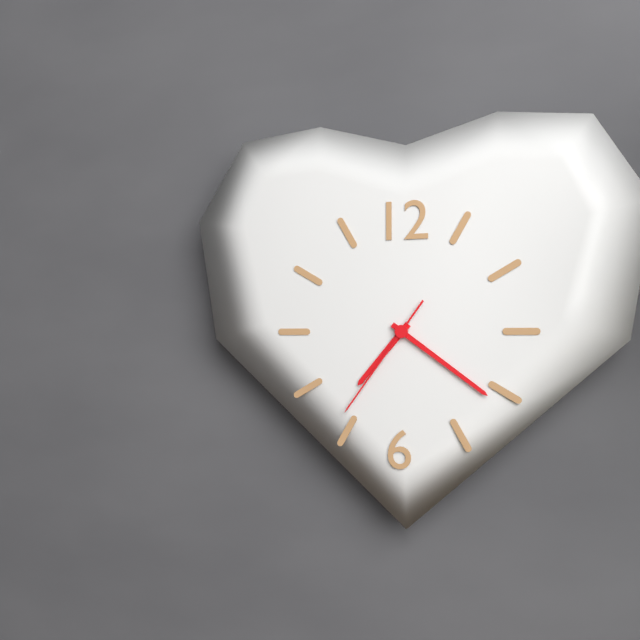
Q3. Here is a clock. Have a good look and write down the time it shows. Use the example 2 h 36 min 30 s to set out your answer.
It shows 7 h 21 min 36 s
